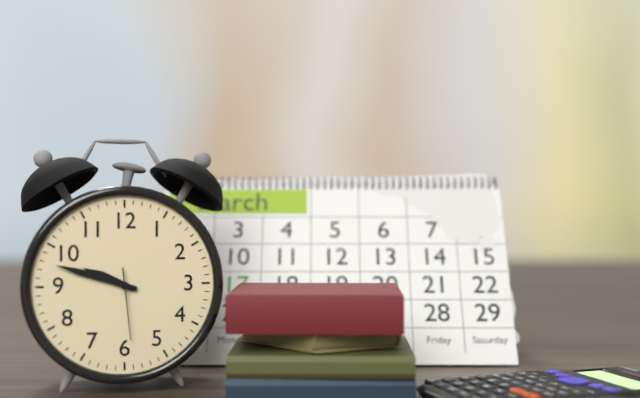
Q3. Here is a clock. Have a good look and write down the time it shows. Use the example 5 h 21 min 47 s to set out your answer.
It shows 9 h 48 min 29 s
